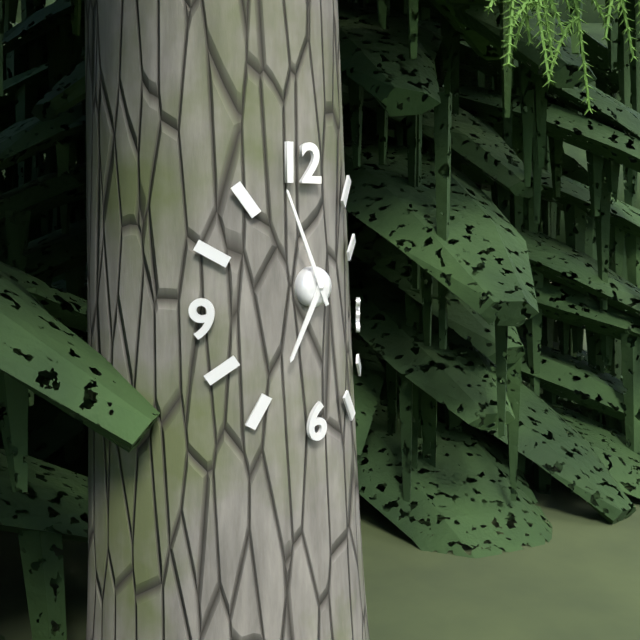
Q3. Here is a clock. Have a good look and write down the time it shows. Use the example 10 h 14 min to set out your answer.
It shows 6 h 56 min
